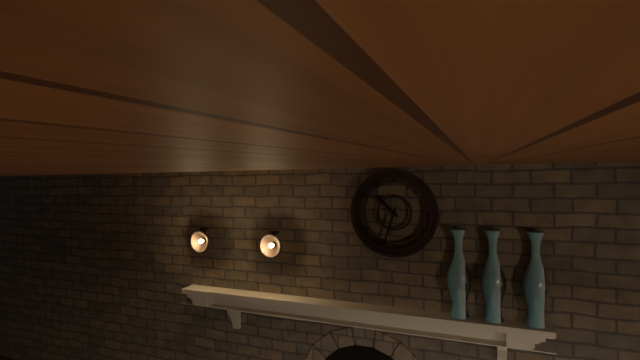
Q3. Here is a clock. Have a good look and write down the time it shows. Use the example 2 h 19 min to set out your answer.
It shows 10 h 33 min
